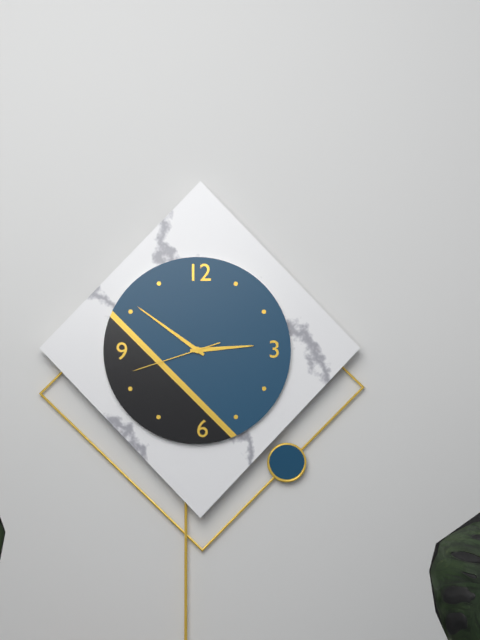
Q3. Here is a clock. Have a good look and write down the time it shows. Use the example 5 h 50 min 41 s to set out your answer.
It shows 2 h 51 min 42 s
